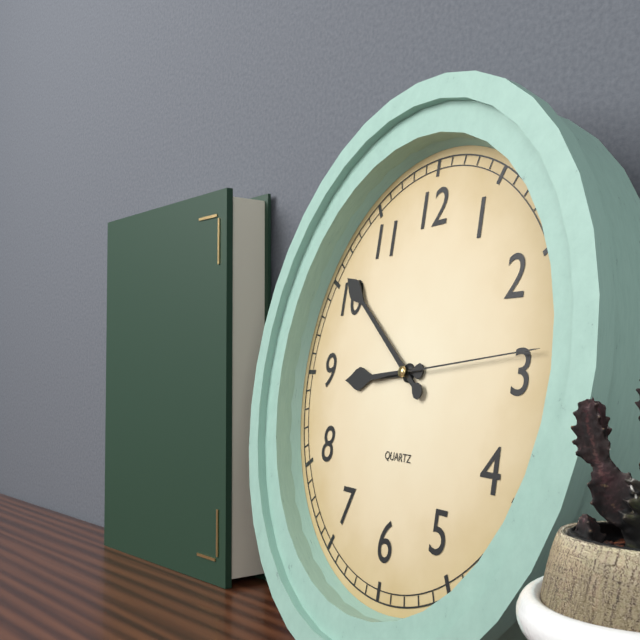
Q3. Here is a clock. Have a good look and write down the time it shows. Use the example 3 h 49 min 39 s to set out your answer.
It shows 8 h 51 min 14 s
